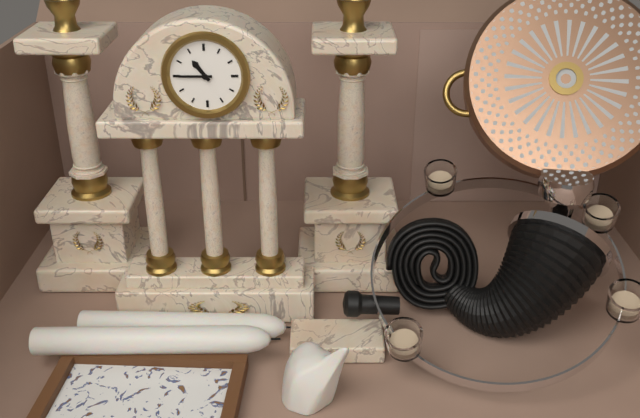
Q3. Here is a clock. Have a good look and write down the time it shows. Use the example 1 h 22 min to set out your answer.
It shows 10 h 45 min
